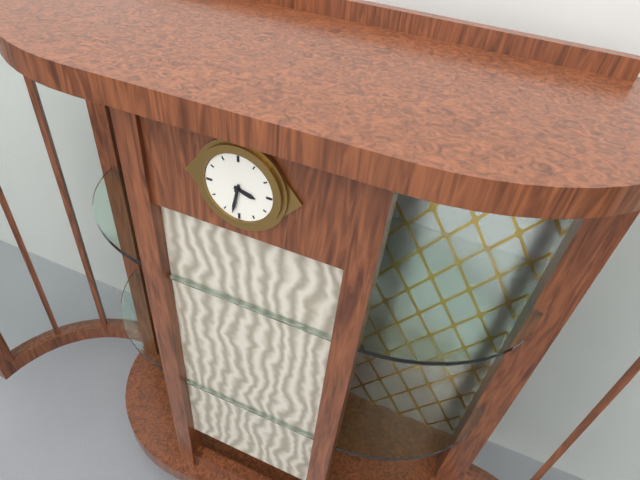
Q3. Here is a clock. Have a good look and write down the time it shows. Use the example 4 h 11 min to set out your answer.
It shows 3 h 32 min
